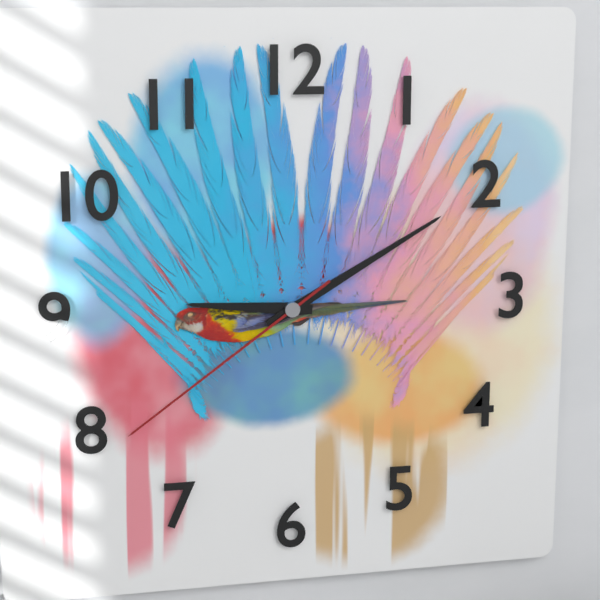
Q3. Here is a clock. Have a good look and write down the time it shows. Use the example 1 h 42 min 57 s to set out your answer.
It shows 9 h 10 min 39 s
